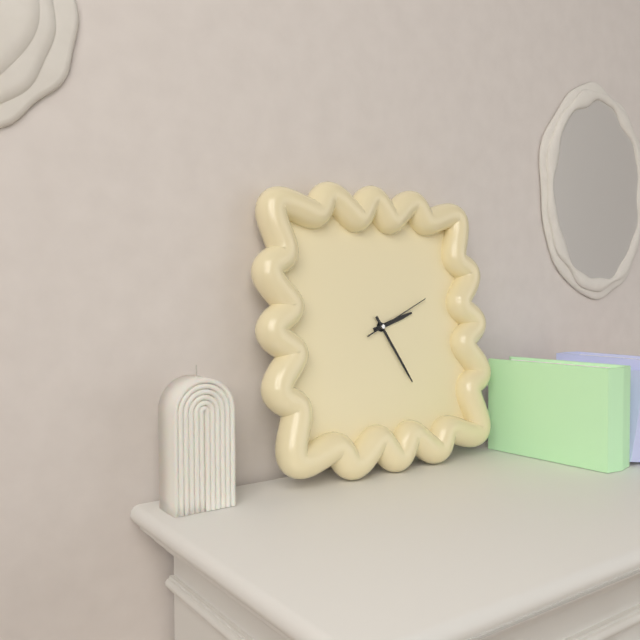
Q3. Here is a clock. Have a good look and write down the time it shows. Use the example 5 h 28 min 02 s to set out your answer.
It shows 2 h 25 min 11 s
